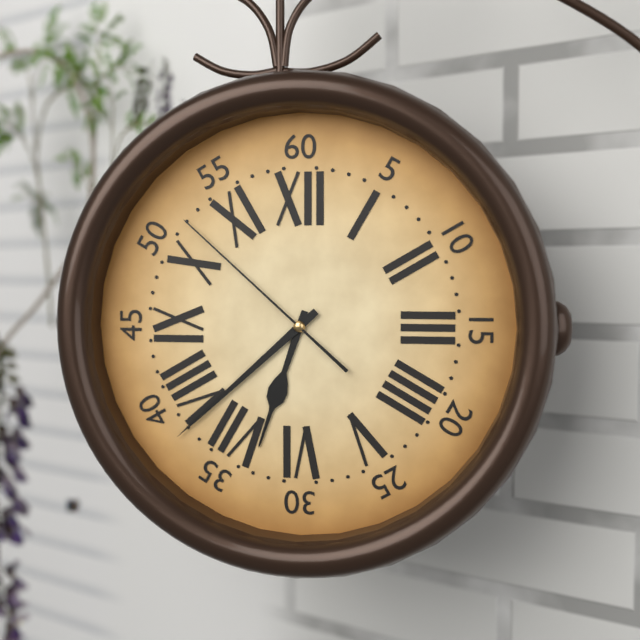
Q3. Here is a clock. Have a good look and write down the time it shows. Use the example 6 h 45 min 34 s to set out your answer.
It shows 6 h 38 min 52 s
